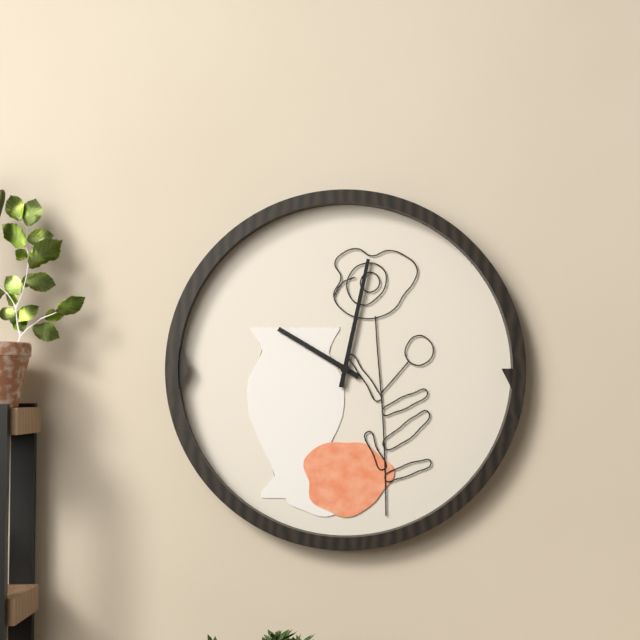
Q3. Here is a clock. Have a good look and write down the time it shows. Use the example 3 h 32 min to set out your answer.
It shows 10 h 02 min
